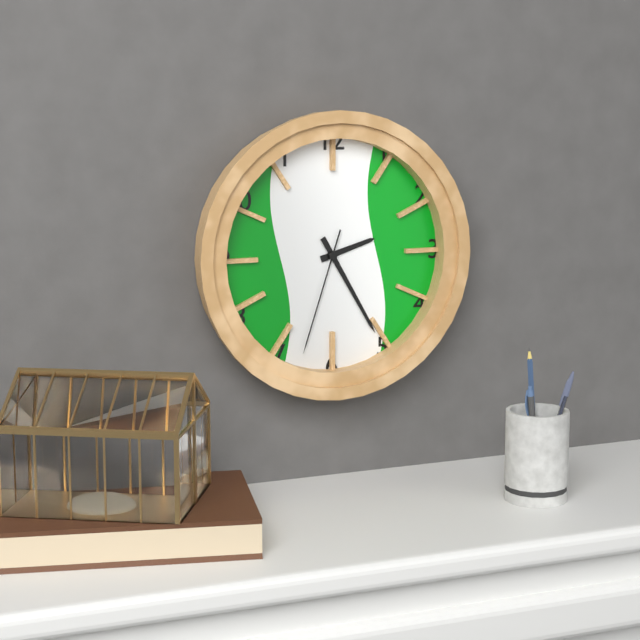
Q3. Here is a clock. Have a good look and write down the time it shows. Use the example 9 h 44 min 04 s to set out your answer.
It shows 2 h 25 min 33 s
